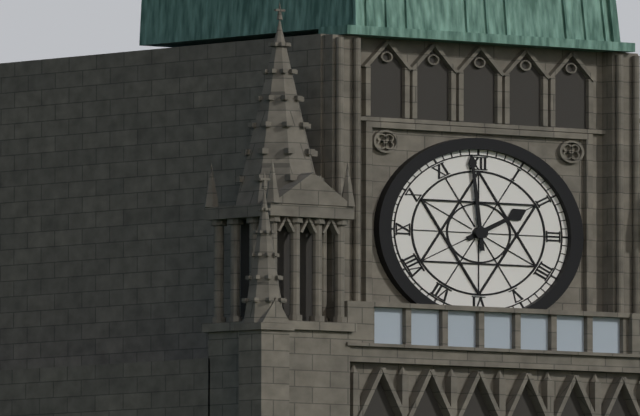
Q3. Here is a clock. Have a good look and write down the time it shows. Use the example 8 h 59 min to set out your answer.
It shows 1 h 59 min
